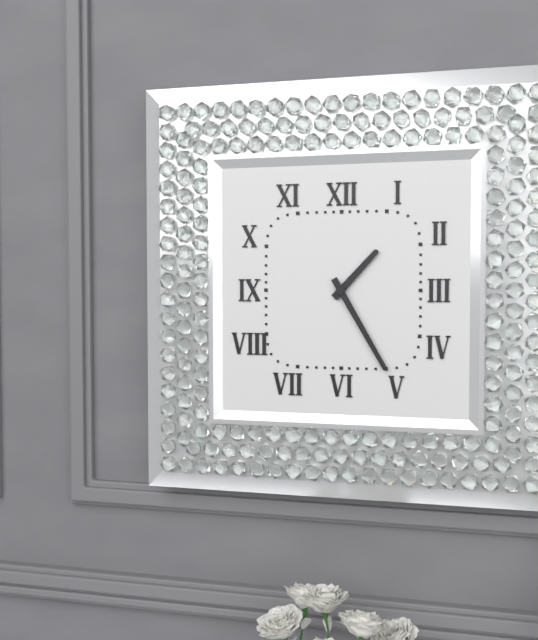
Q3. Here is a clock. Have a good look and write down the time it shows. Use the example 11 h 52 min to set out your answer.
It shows 1 h 25 min
